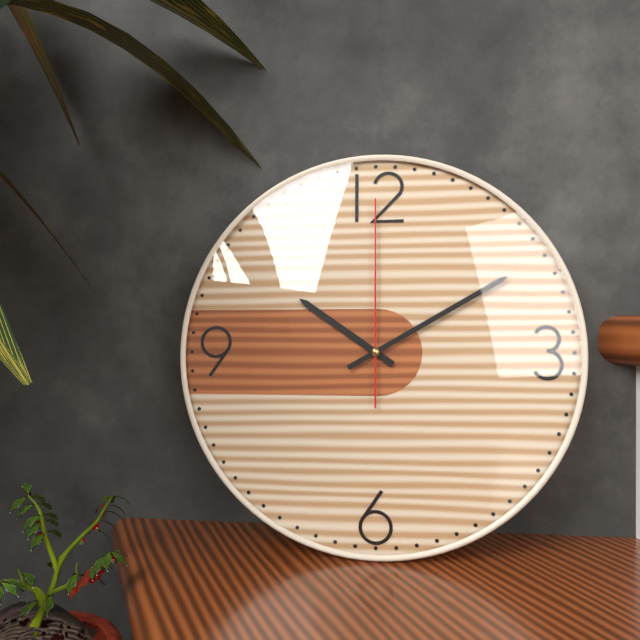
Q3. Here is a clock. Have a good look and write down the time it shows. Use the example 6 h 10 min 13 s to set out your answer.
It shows 10 h 10 min 00 s
